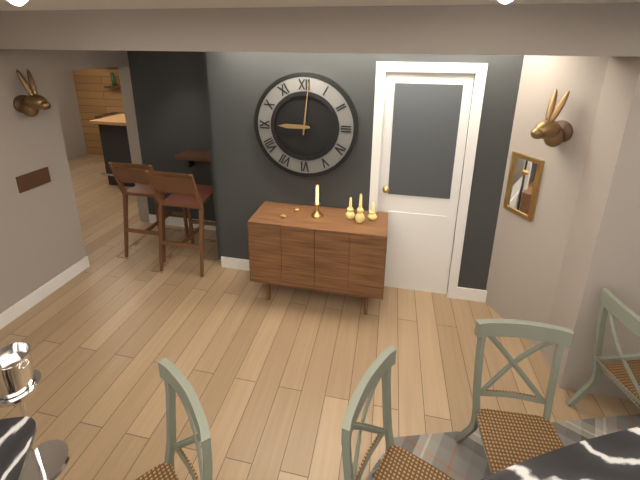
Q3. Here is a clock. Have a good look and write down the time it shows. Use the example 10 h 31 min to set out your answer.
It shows 9 h 01 min
